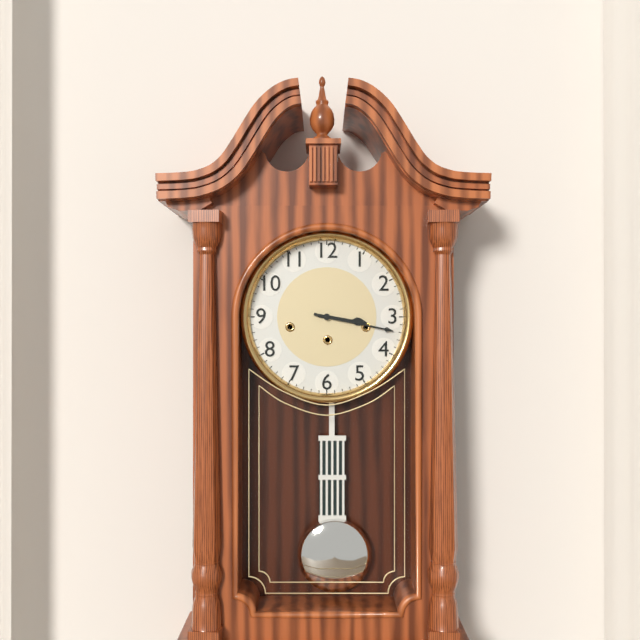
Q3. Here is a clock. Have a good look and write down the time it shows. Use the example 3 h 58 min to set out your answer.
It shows 3 h 17 min
